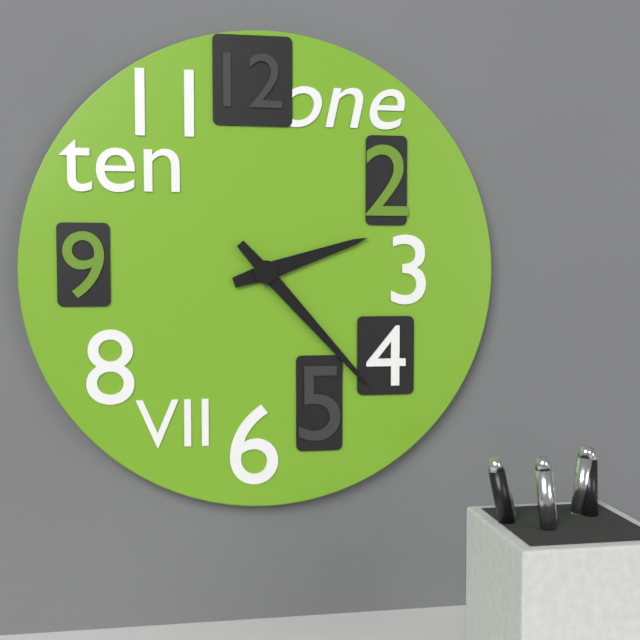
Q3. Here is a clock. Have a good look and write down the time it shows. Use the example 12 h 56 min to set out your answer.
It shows 2 h 23 min
